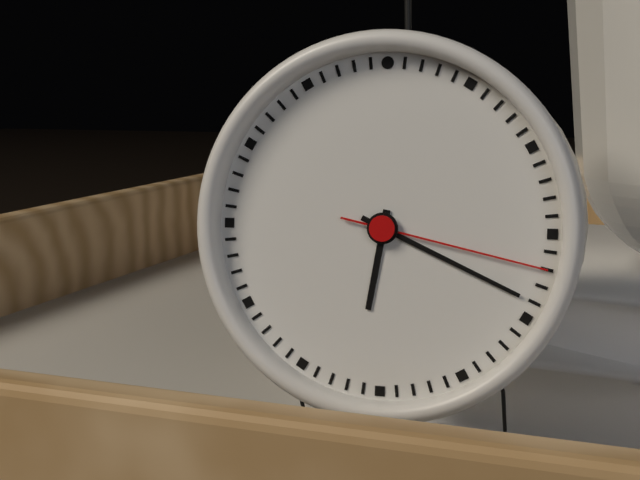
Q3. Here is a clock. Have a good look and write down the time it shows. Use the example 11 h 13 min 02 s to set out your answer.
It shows 6 h 19 min 17 s
